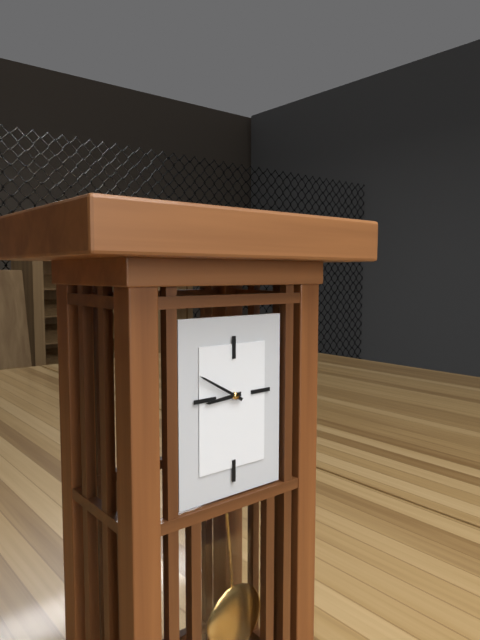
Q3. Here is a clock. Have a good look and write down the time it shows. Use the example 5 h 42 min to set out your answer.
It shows 8 h 50 min
